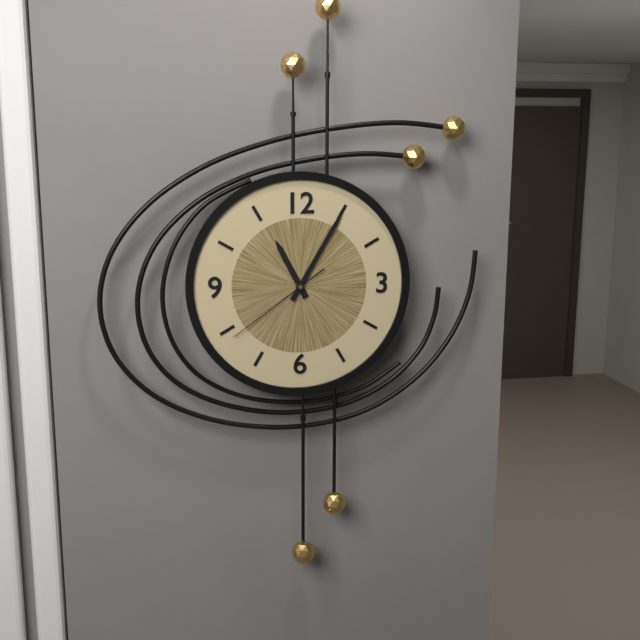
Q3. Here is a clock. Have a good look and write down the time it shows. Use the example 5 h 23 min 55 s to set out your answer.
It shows 11 h 05 min 39 s
